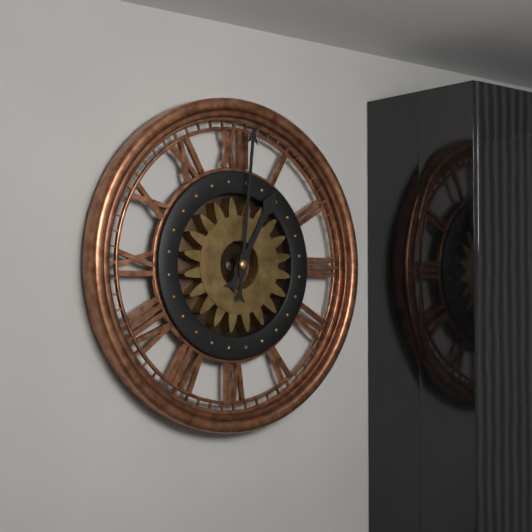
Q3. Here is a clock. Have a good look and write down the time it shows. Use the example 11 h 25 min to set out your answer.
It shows 1 h 01 min
